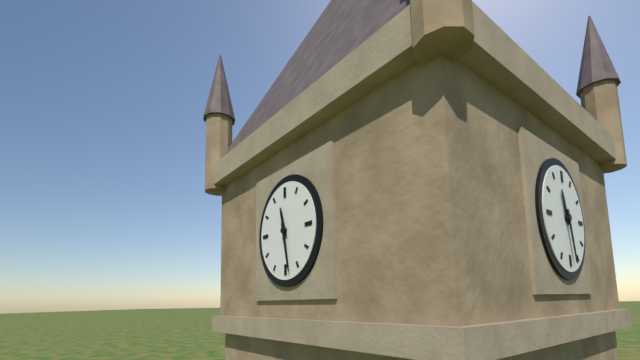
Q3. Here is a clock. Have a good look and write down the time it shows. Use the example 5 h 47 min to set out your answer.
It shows 11 h 28 min
